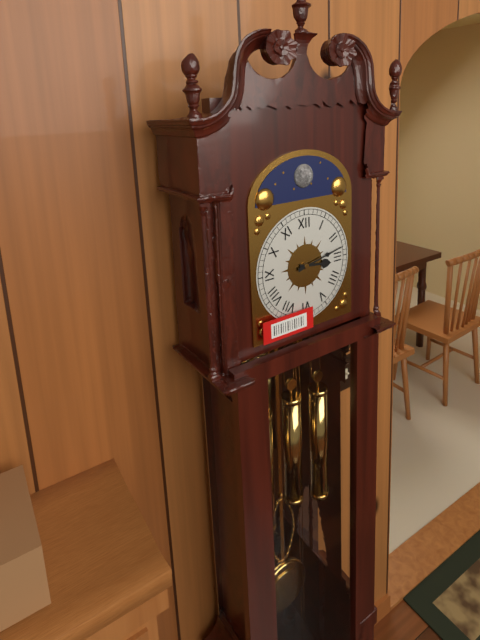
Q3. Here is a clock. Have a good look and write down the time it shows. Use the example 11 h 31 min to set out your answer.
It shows 3 h 13 min
